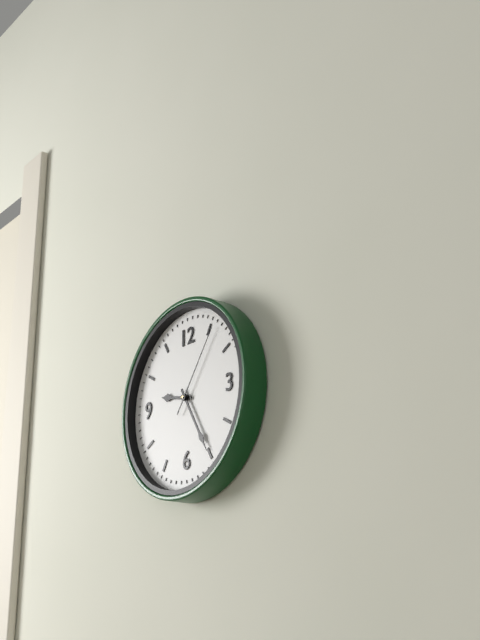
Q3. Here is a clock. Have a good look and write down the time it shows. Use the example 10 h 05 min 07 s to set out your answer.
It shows 9 h 25 min 06 s
